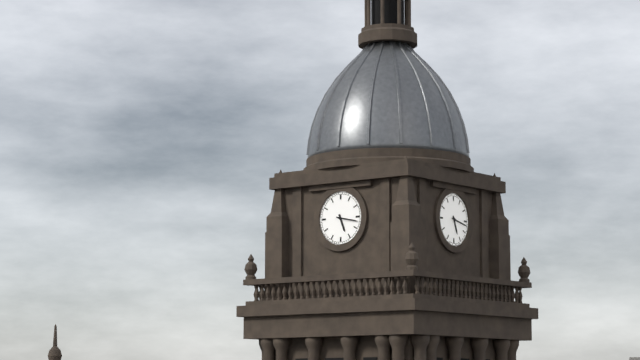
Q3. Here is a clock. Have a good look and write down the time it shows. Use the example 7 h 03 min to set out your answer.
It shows 5 h 17 min
